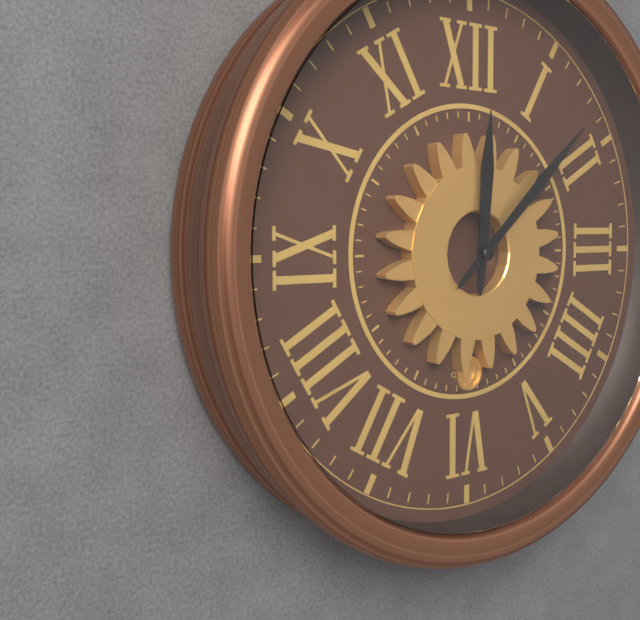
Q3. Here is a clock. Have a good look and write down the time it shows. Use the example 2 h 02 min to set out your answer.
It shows 12 h 08 min
